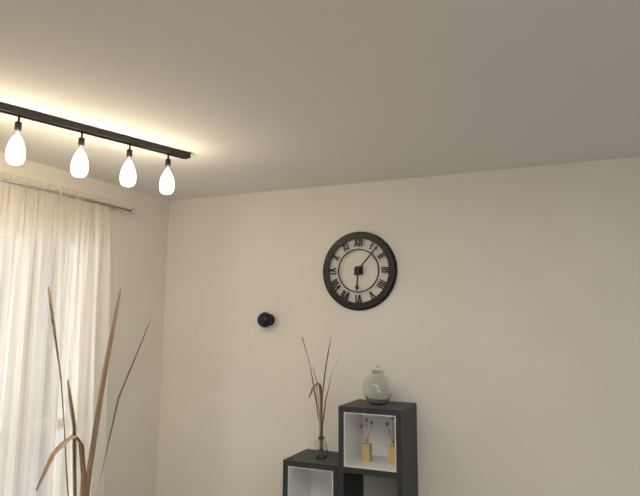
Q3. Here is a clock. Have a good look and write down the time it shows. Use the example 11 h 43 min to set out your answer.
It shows 6 h 07 min
